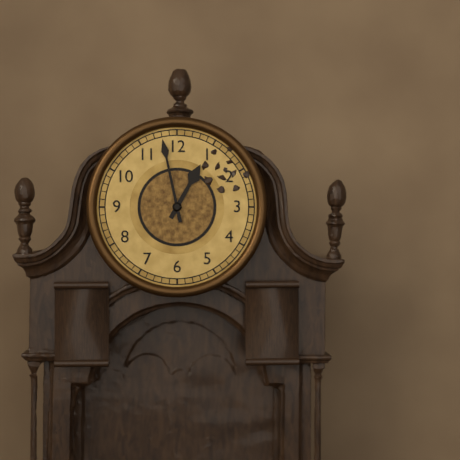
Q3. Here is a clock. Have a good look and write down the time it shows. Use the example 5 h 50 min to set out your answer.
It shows 12 h 58 min
